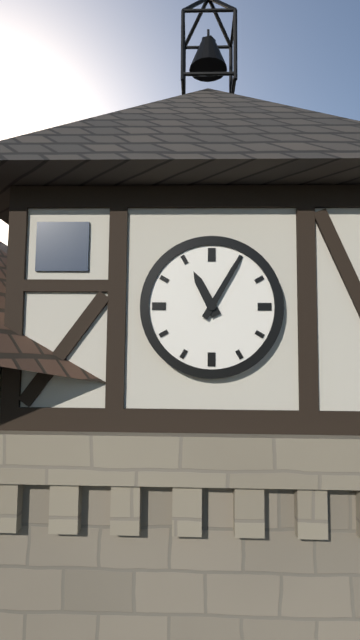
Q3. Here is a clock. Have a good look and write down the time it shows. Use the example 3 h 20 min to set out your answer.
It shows 11 h 05 min
